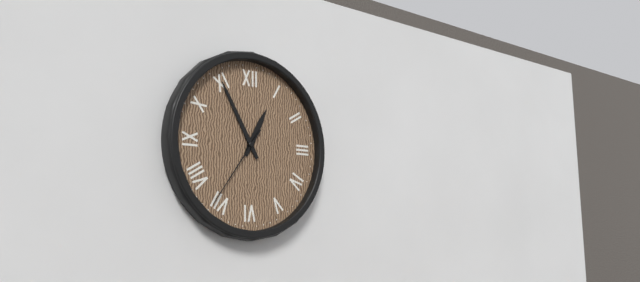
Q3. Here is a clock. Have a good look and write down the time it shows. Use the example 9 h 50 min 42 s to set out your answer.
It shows 12 h 55 min 36 s
